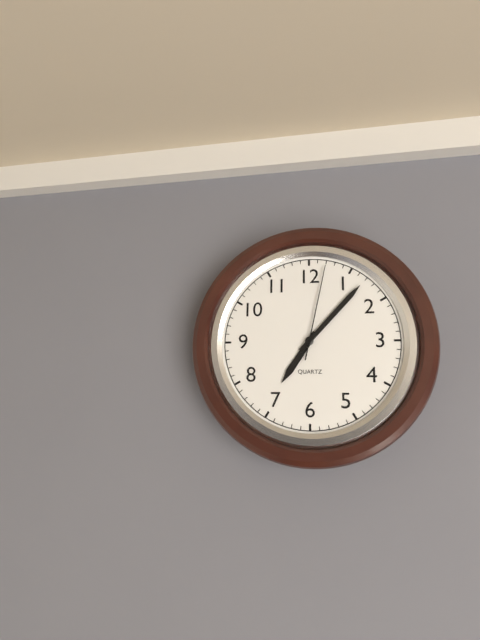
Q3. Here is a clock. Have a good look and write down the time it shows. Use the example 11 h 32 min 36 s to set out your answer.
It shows 7 h 07 min 02 s
